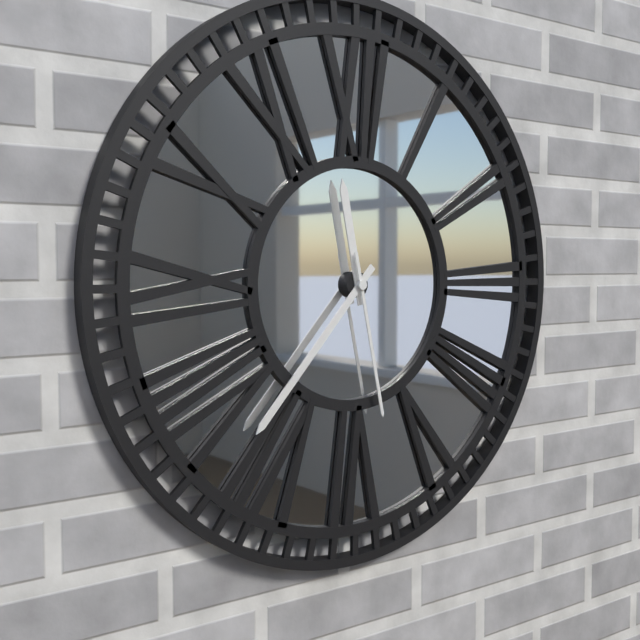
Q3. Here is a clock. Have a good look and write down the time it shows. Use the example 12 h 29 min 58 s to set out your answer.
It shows 11 h 37 min 28 s
